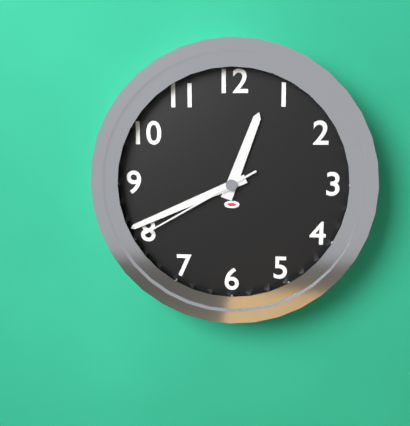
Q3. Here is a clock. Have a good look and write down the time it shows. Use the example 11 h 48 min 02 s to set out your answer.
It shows 12 h 41 min 40 s
